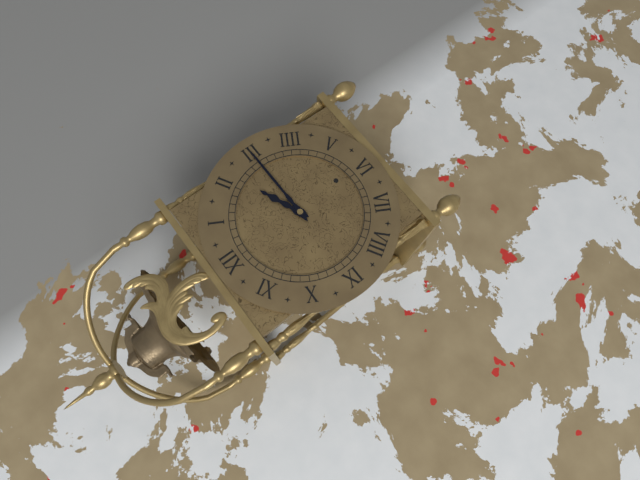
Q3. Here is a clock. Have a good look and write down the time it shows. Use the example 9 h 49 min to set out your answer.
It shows 2 h 15 min
